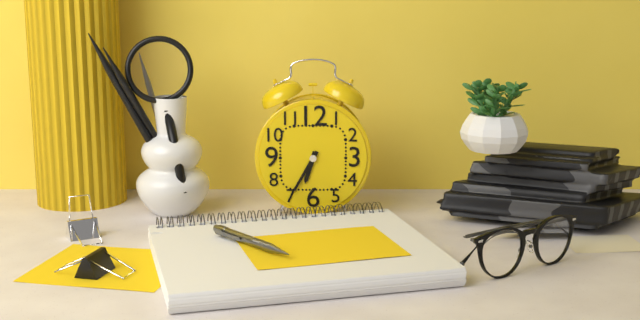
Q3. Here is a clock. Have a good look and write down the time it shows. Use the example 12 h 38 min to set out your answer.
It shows 6 h 35 min
